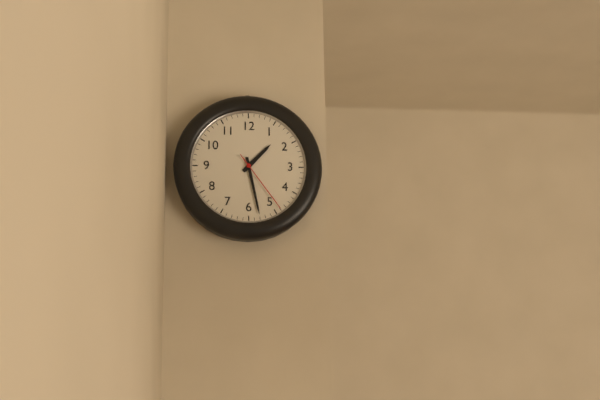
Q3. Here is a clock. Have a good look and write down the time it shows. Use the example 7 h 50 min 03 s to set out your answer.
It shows 1 h 28 min 24 s
